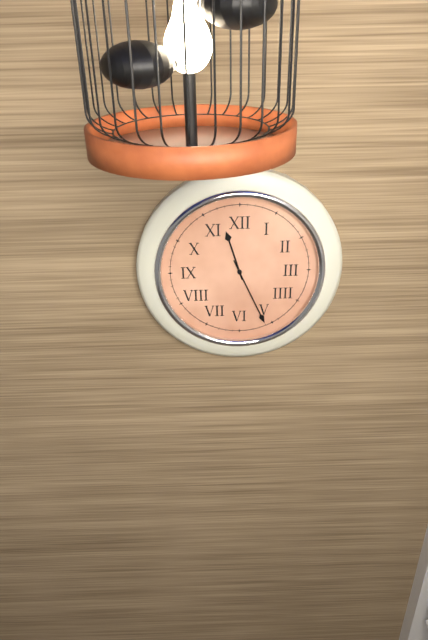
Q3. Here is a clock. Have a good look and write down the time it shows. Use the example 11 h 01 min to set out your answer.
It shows 11 h 26 min
